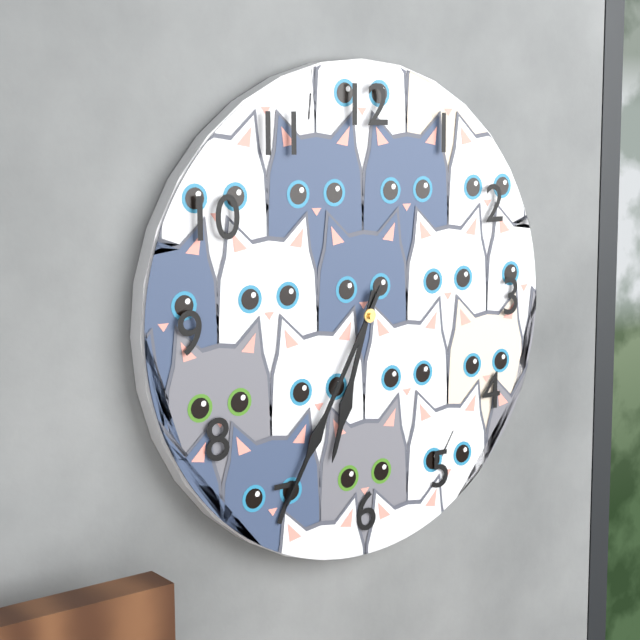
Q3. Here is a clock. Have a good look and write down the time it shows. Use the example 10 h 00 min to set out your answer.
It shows 6 h 35 min
